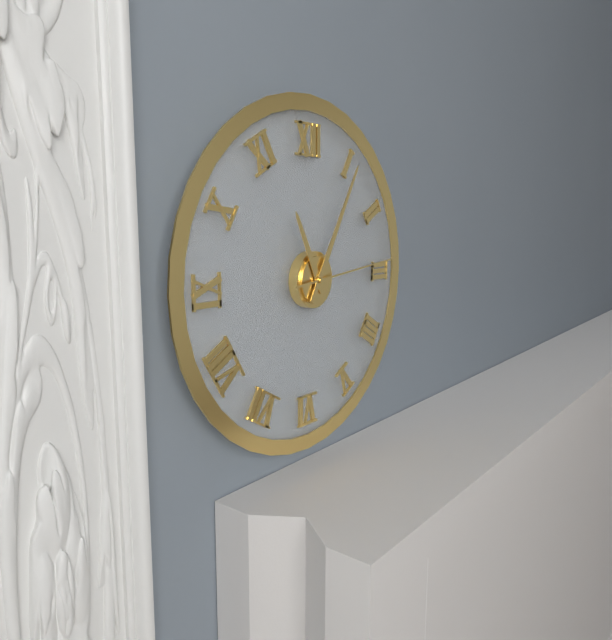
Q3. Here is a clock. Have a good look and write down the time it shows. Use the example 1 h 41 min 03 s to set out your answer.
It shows 11 h 05 min 14 s
